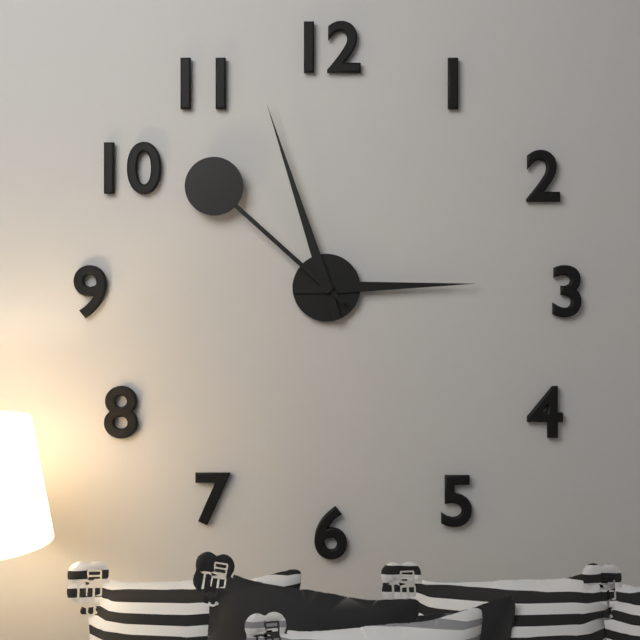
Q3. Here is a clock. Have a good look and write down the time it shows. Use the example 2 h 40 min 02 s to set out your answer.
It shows 2 h 57 min 52 s
